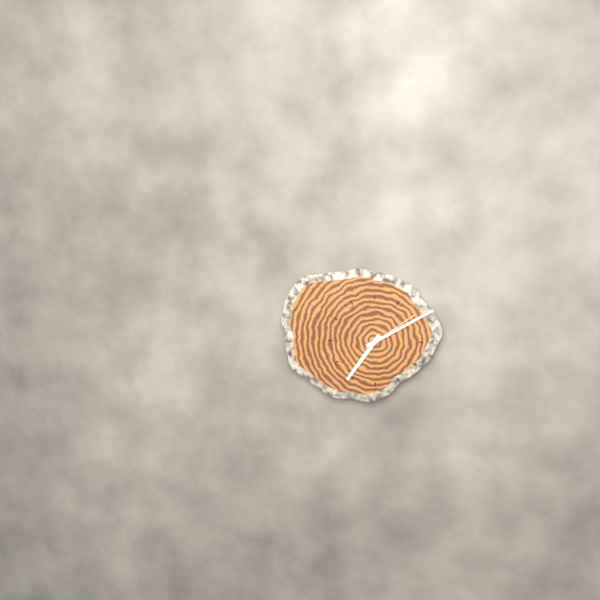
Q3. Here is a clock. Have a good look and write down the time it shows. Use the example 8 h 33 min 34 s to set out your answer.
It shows 7 h 10 min 09 s
